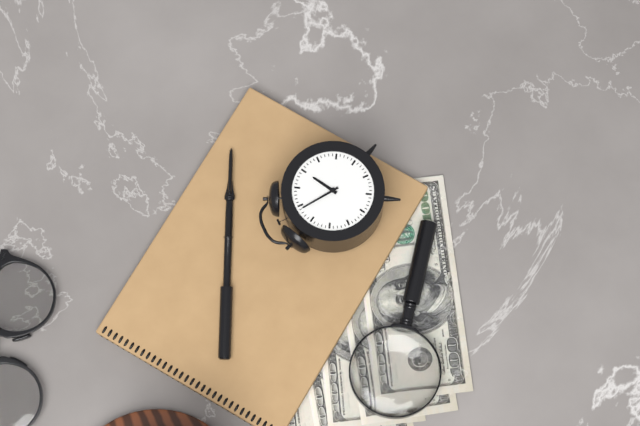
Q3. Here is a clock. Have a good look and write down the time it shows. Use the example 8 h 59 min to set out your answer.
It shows 1 h 59 min
